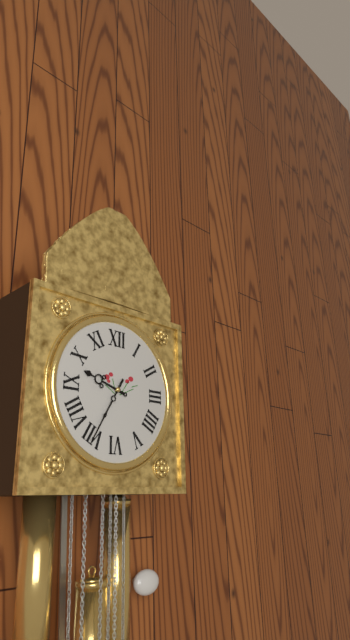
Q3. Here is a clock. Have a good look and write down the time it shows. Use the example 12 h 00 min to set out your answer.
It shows 9 h 35 min
